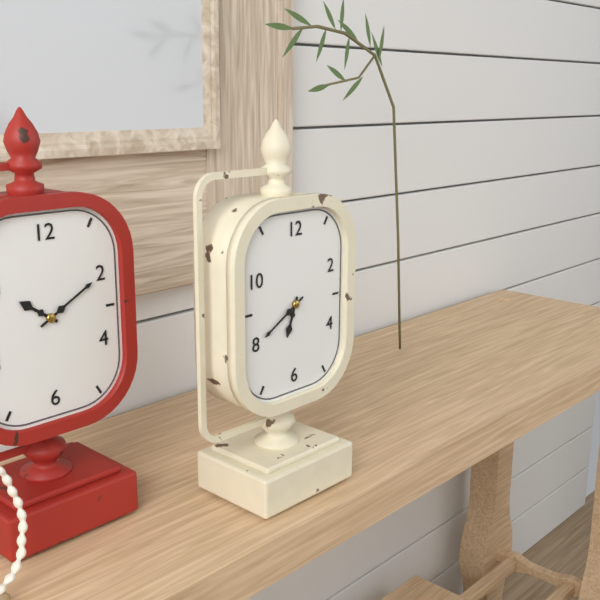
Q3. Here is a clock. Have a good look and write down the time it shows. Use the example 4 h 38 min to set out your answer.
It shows 6 h 40 min
